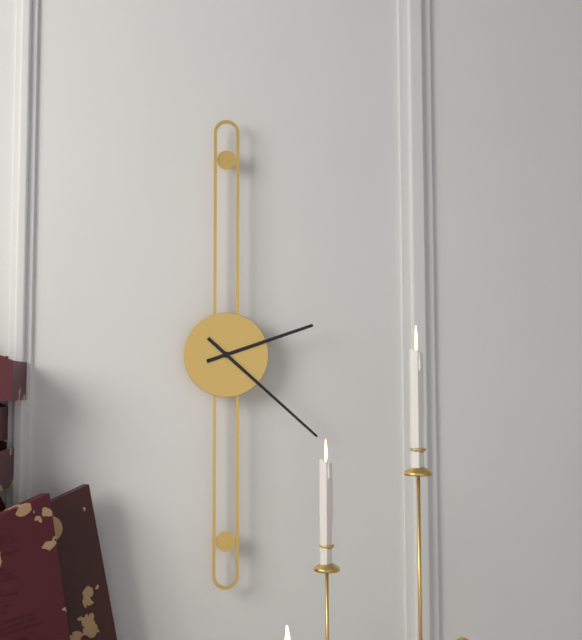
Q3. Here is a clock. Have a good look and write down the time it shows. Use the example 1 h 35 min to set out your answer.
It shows 2 h 22 min
